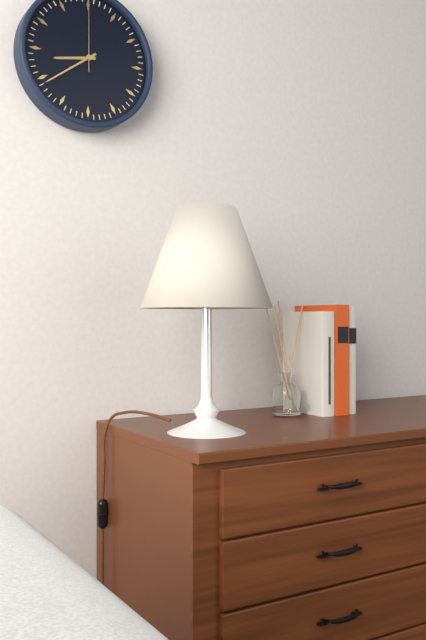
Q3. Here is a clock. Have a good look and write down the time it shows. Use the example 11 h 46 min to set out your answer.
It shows 8 h 39 min
